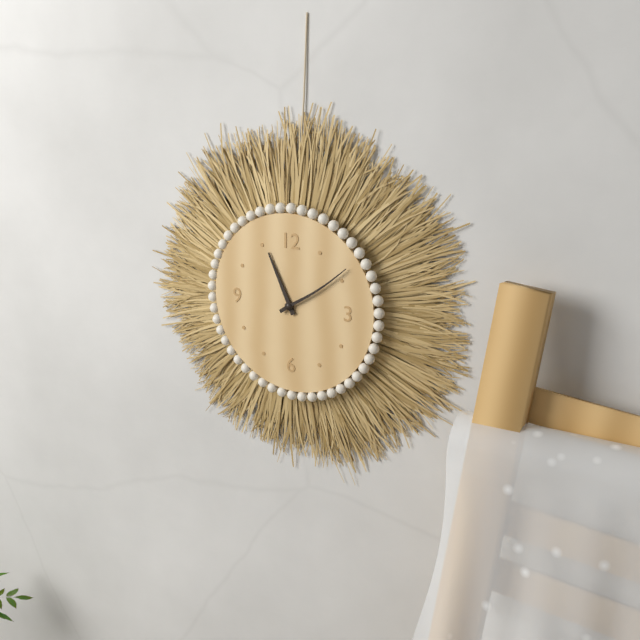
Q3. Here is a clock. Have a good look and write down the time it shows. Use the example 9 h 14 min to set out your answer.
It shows 11 h 09 min
